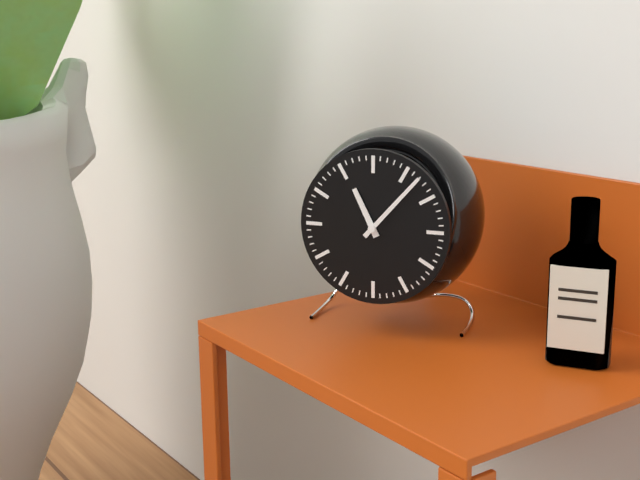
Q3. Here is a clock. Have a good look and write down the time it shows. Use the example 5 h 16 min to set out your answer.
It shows 11 h 07 min
